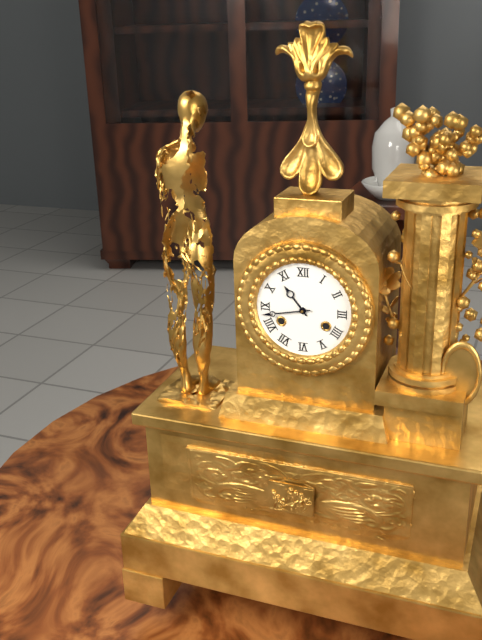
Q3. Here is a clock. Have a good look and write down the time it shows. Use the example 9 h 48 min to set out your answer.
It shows 10 h 43 min
